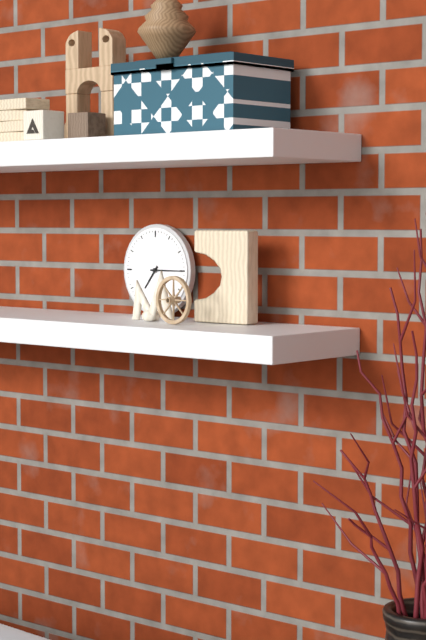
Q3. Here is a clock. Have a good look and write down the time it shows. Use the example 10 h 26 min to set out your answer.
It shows 7 h 15 min
